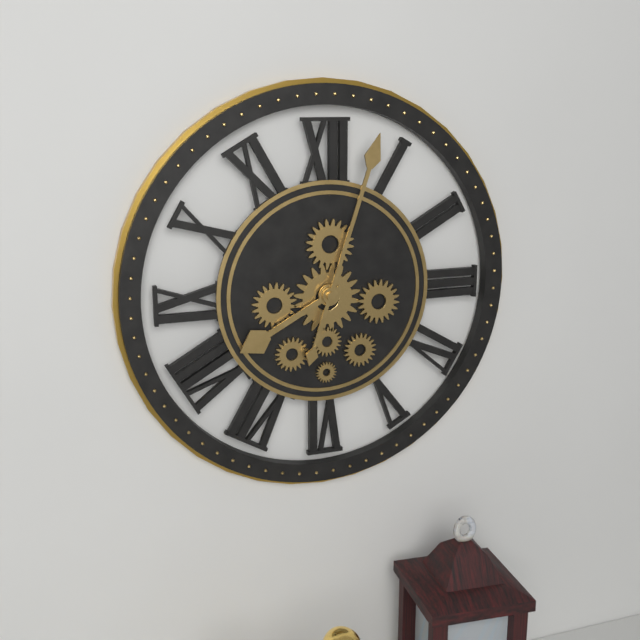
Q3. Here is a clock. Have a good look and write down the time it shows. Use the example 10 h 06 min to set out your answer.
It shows 8 h 03 min
